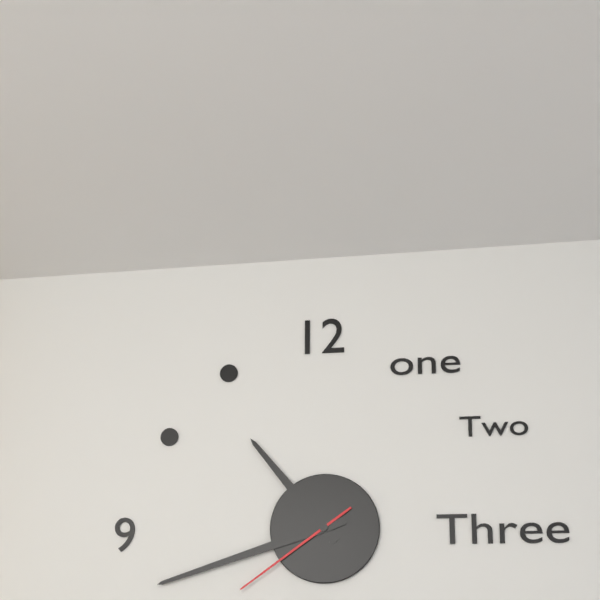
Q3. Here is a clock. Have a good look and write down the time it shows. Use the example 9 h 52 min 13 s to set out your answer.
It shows 10 h 42 min 39 s
